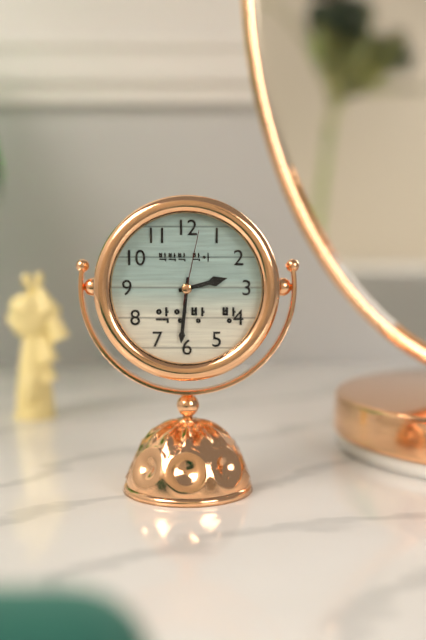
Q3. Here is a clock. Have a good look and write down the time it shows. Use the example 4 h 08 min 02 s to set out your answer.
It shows 2 h 31 min 02 s
